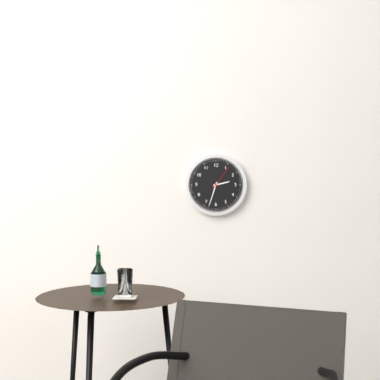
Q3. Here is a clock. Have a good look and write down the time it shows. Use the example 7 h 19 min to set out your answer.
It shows 2 h 33 min
